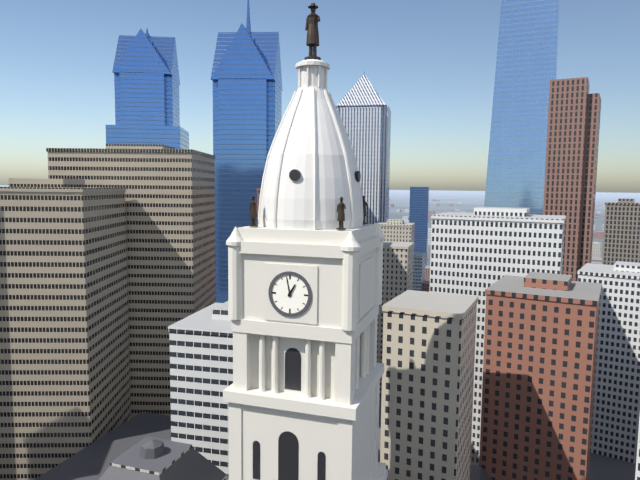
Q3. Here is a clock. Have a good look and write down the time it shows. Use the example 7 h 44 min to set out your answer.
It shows 12 h 58 min
